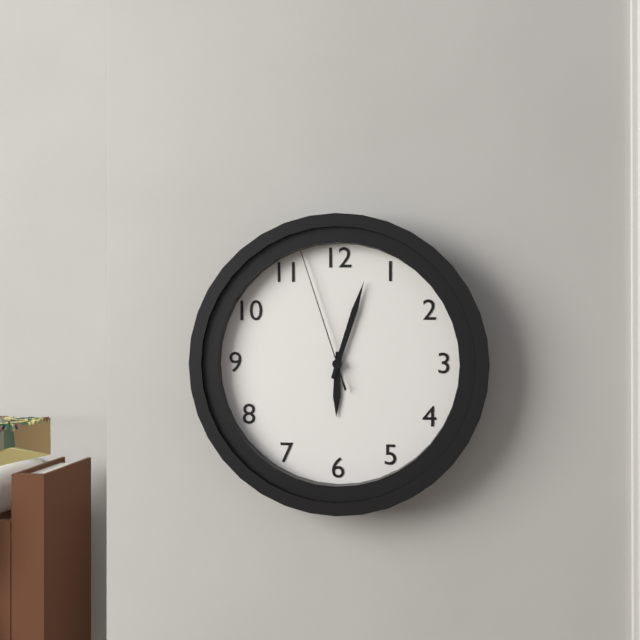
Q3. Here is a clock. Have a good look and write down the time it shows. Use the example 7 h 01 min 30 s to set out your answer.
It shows 6 h 03 min 57 s
